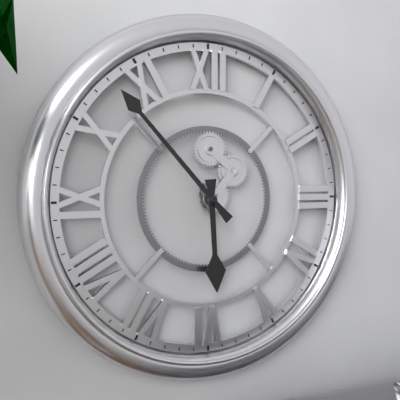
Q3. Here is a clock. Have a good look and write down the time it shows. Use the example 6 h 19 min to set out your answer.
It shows 5 h 53 min
